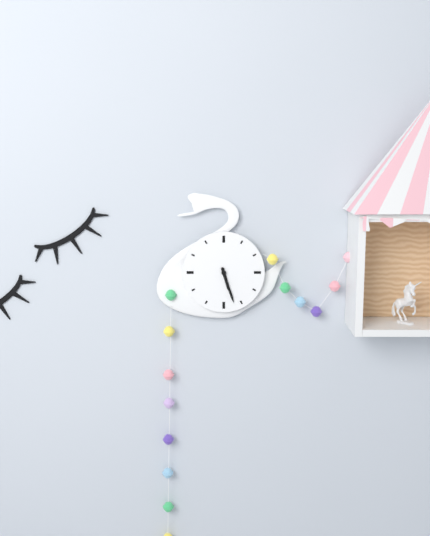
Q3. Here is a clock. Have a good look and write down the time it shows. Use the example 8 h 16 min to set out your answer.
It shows 5 h 27 min
